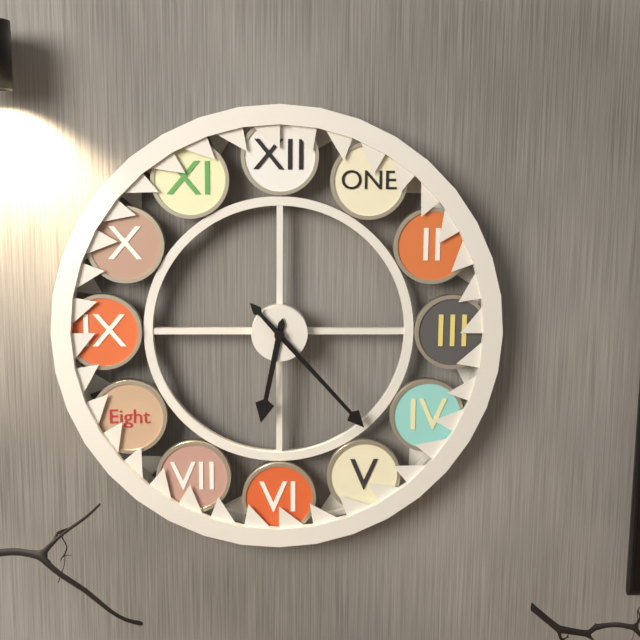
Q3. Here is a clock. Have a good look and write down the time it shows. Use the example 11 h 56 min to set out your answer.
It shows 6 h 23 min
